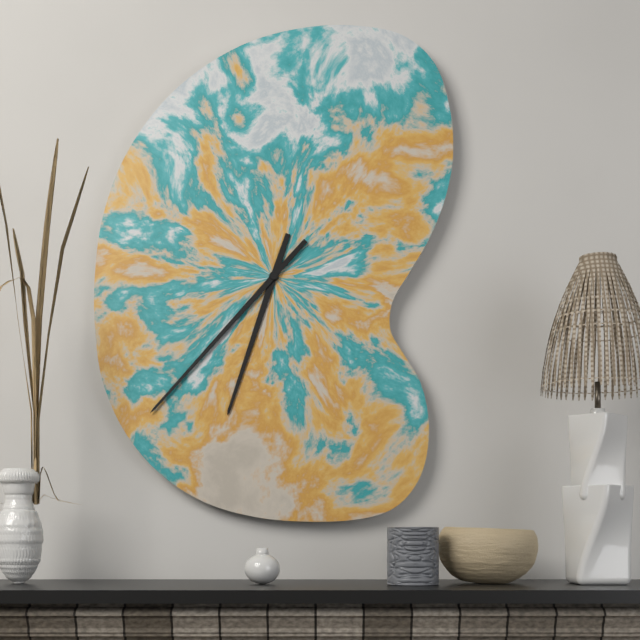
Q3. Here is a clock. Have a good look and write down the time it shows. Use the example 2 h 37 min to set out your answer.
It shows 6 h 37 min
